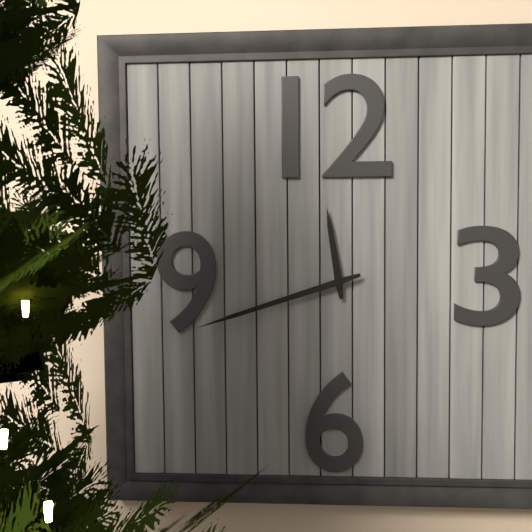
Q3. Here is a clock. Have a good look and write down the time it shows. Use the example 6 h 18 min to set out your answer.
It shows 11 h 42 min
